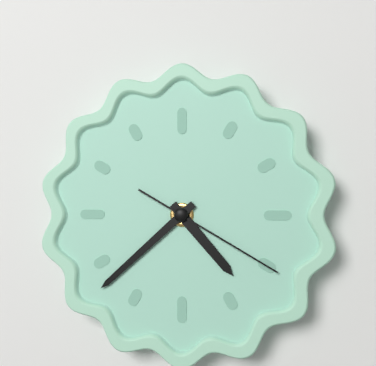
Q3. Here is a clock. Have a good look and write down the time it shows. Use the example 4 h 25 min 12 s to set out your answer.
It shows 4 h 38 min 20 s
